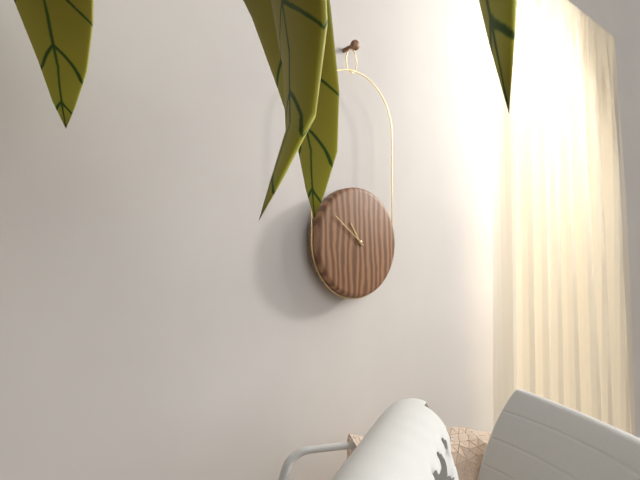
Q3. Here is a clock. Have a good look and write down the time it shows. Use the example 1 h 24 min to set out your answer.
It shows 10 h 51 min
